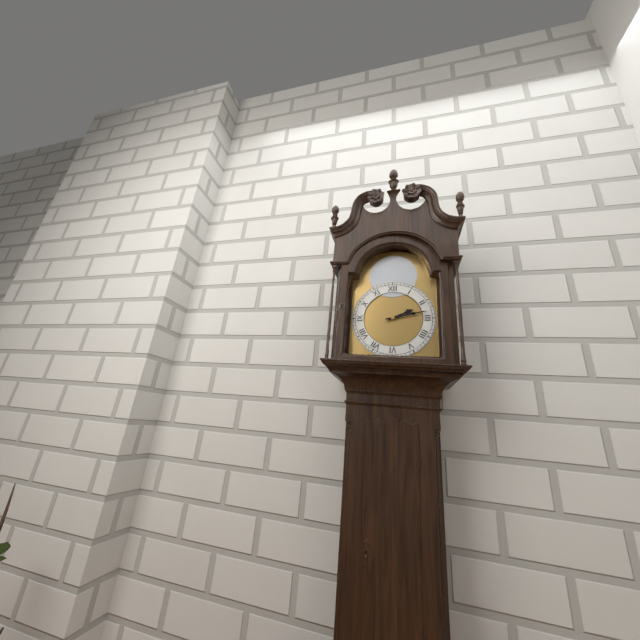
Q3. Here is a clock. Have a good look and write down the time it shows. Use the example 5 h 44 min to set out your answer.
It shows 2 h 13 min
